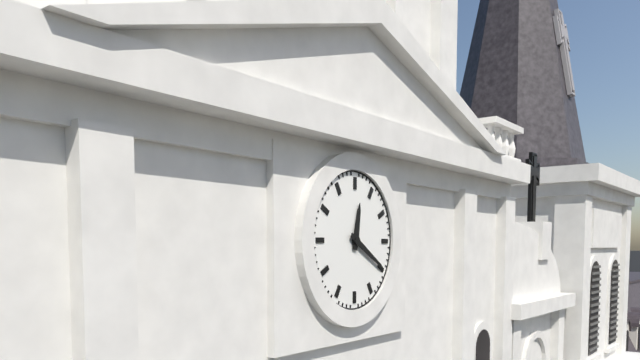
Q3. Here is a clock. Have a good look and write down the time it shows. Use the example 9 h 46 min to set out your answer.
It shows 12 h 20 min
